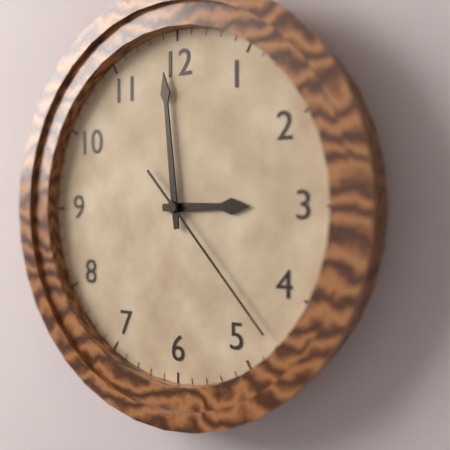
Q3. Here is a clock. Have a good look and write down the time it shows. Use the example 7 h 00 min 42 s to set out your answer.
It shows 2 h 59 min 23 s
